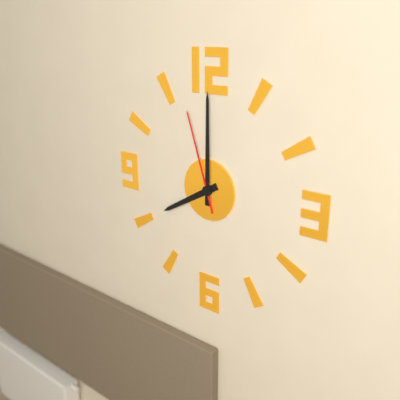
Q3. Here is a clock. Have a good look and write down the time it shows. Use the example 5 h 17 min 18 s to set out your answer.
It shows 8 h 00 min 57 s
